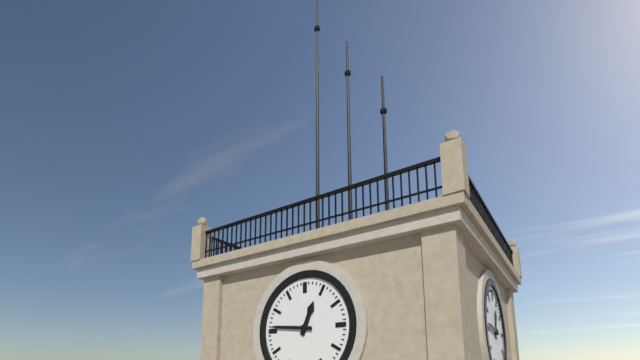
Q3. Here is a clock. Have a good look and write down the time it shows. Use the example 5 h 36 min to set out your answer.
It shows 12 h 46 min
